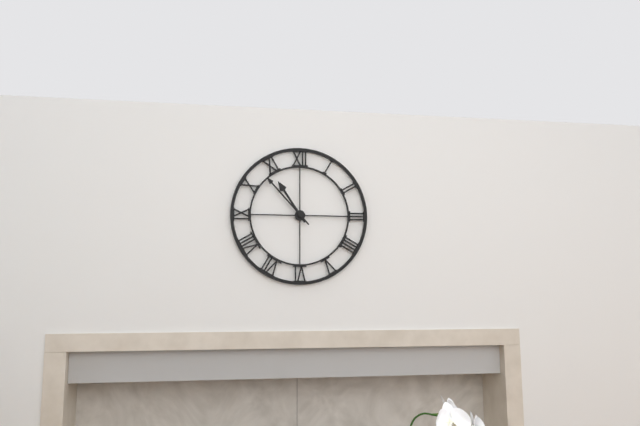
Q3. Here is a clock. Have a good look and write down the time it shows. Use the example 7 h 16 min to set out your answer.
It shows 10 h 53 min
